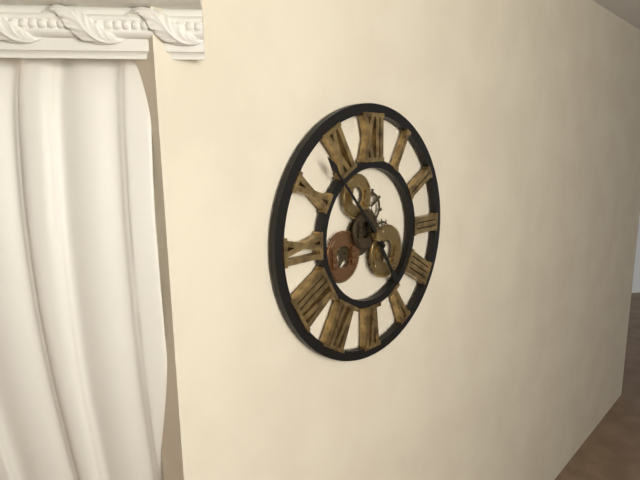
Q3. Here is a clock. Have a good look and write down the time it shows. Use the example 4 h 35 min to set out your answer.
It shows 4 h 53 min
